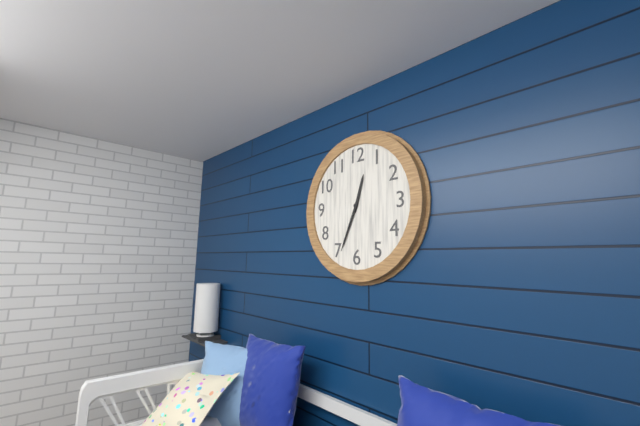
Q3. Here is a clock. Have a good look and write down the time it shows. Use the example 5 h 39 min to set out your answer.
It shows 12 h 34 min
